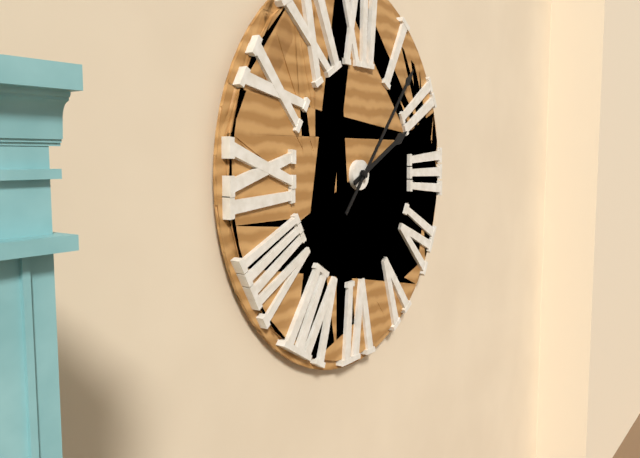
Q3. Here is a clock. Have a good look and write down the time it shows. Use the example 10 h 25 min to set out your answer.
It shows 2 h 07 min
